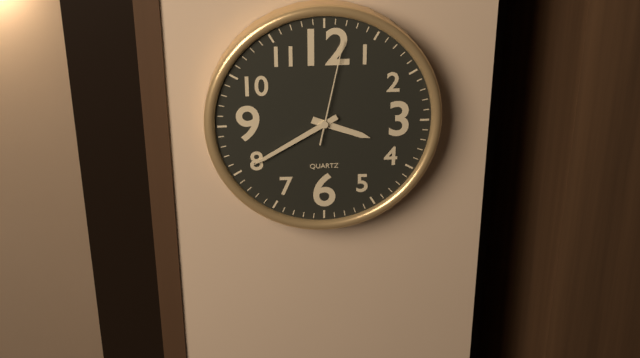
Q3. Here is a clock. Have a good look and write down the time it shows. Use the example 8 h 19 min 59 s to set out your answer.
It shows 3 h 40 min 02 s
